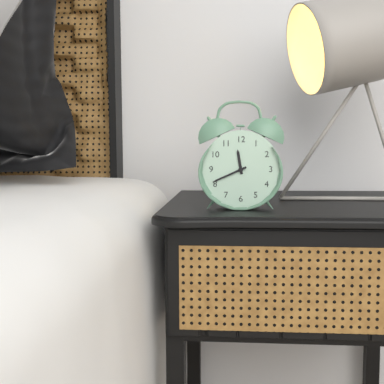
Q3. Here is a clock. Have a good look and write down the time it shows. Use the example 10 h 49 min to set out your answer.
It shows 11 h 41 min
